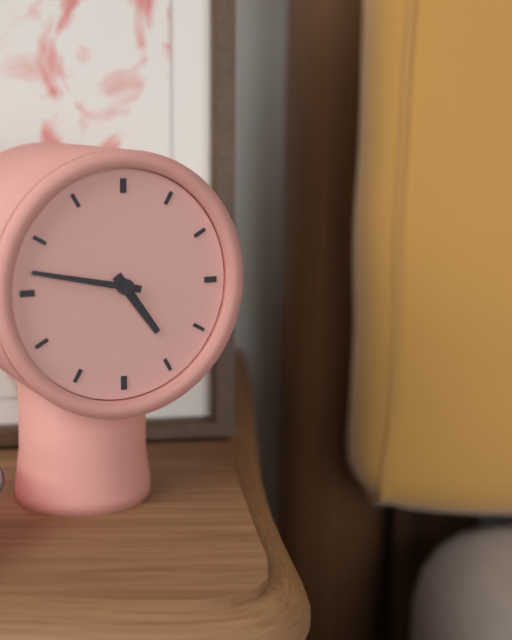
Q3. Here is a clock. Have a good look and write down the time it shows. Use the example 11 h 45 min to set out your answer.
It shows 4 h 47 min
